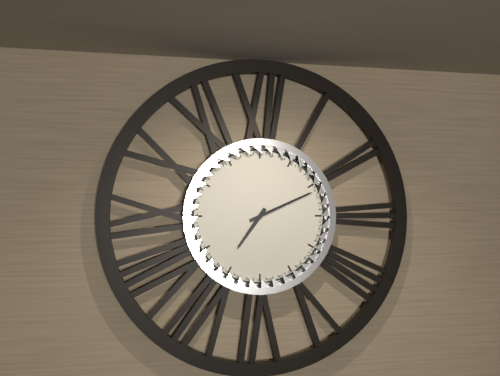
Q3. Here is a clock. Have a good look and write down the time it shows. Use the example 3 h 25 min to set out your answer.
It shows 7 h 11 min
